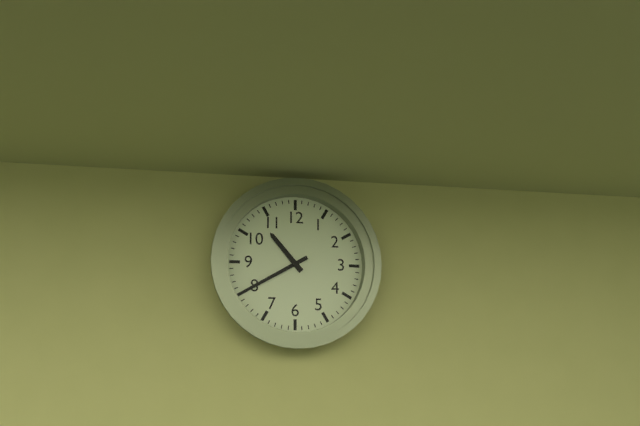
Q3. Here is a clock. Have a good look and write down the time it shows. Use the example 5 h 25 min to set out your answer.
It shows 10 h 40 min
